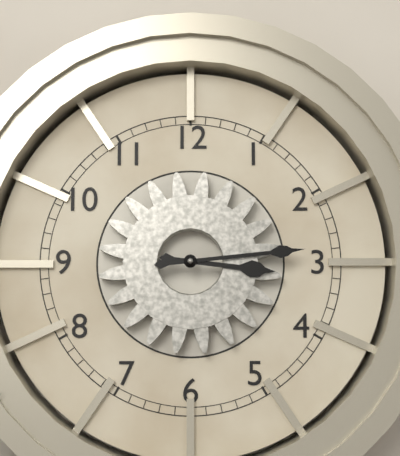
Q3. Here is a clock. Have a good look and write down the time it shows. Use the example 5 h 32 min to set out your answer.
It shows 3 h 14 min
